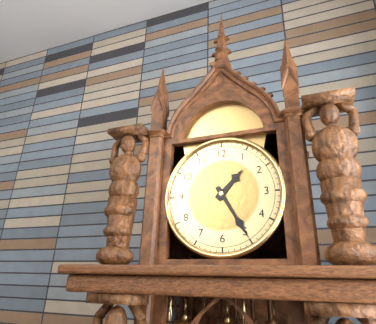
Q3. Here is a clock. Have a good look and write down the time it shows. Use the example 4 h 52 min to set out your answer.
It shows 1 h 25 min
